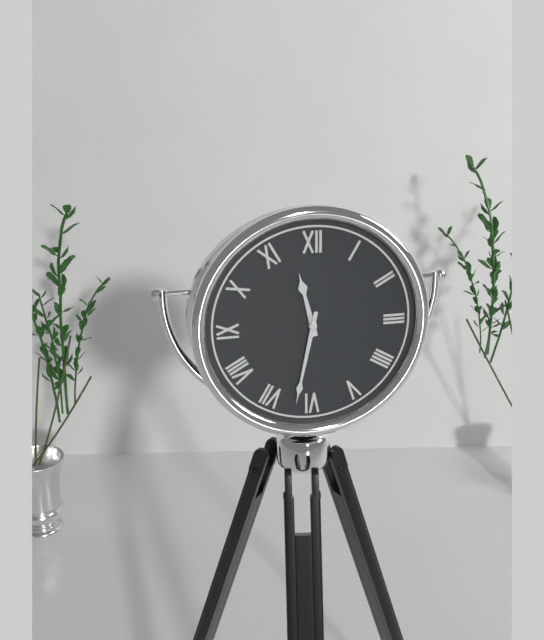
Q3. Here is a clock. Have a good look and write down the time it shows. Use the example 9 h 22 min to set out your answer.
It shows 11 h 32 min
